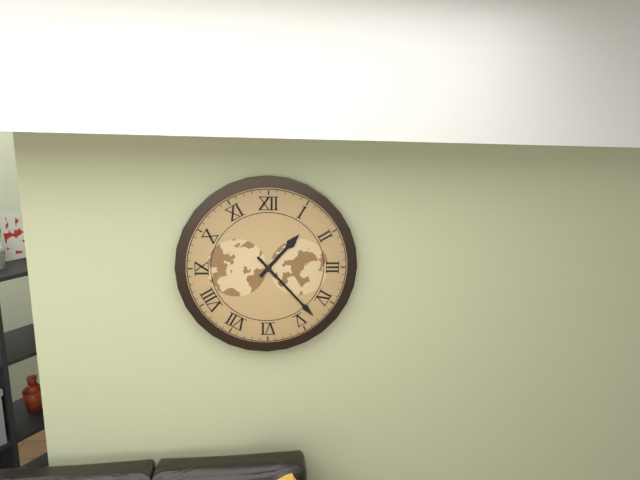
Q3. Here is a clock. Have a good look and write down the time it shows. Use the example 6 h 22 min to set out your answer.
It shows 1 h 23 min
